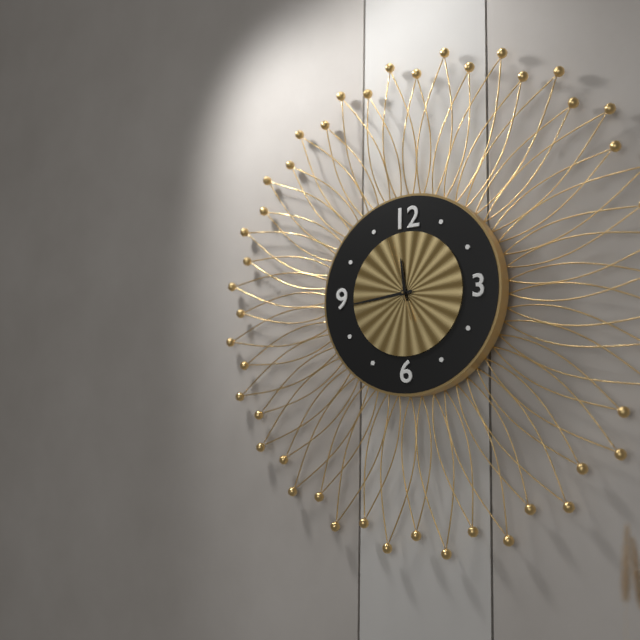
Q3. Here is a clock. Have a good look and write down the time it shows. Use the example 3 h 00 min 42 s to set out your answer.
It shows 11 h 44 min 57 s
